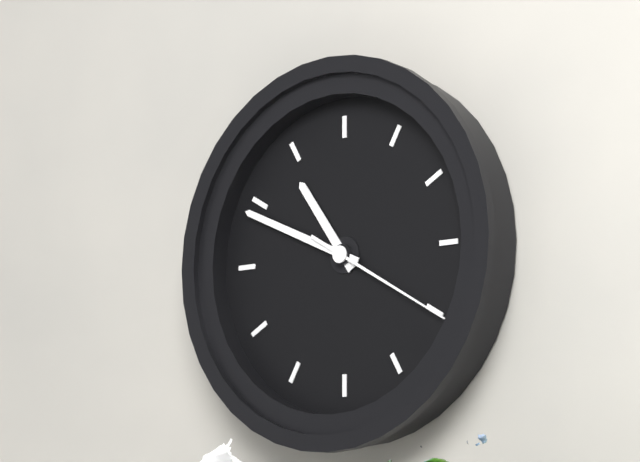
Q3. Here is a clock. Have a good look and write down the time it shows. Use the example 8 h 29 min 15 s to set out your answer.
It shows 10 h 49 min 20 s
